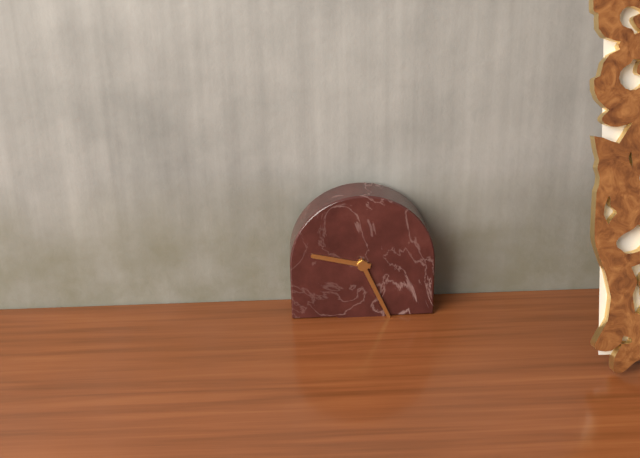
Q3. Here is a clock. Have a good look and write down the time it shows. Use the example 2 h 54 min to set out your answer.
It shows 9 h 26 min
